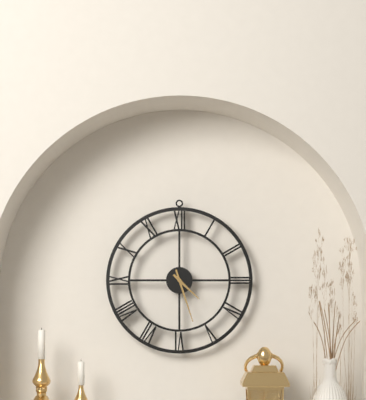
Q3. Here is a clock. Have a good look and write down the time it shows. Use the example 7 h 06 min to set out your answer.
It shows 4 h 27 min
